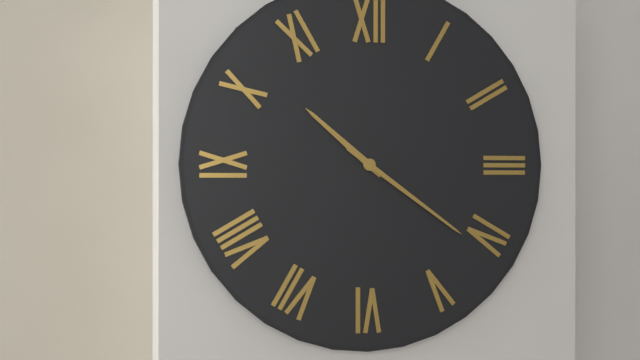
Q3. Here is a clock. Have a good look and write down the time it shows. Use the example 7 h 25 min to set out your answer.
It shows 10 h 21 min
